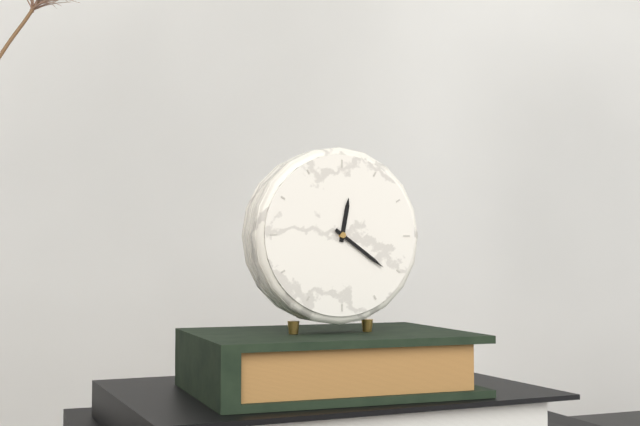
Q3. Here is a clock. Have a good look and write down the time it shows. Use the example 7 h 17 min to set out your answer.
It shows 12 h 21 min
